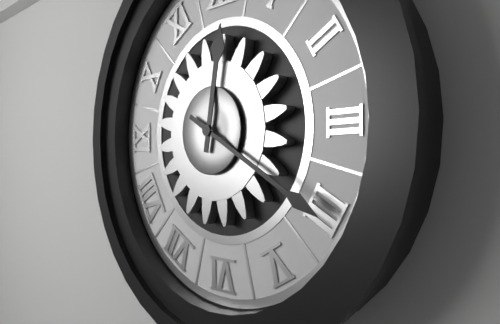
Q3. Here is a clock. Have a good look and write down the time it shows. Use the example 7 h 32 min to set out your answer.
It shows 12 h 20 min
